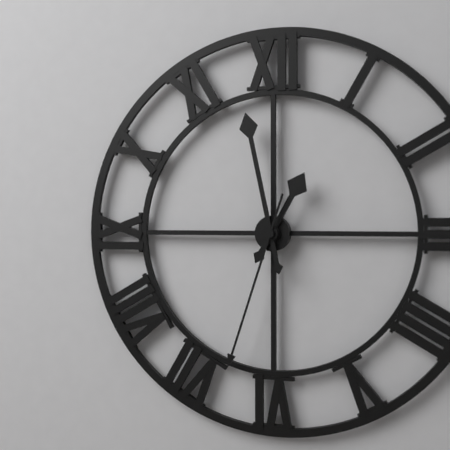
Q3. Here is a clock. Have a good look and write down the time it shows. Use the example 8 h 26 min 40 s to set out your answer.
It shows 12 h 58 min 33 s
